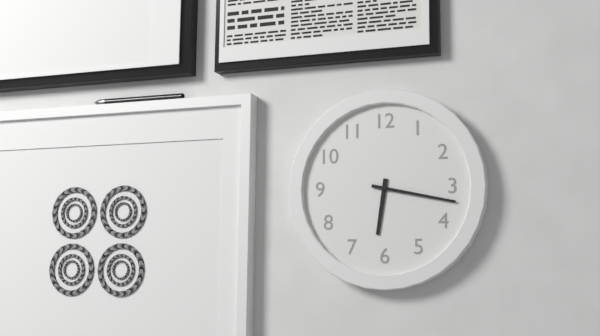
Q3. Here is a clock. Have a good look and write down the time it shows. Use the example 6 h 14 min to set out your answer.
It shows 6 h 17 min
